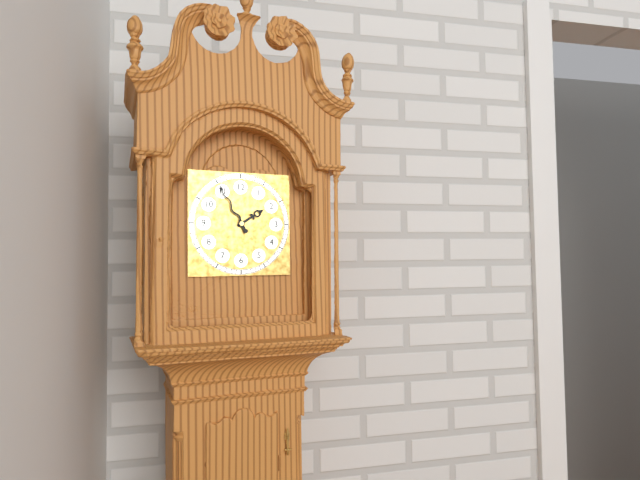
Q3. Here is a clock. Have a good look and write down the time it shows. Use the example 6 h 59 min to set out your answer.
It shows 1 h 55 min
